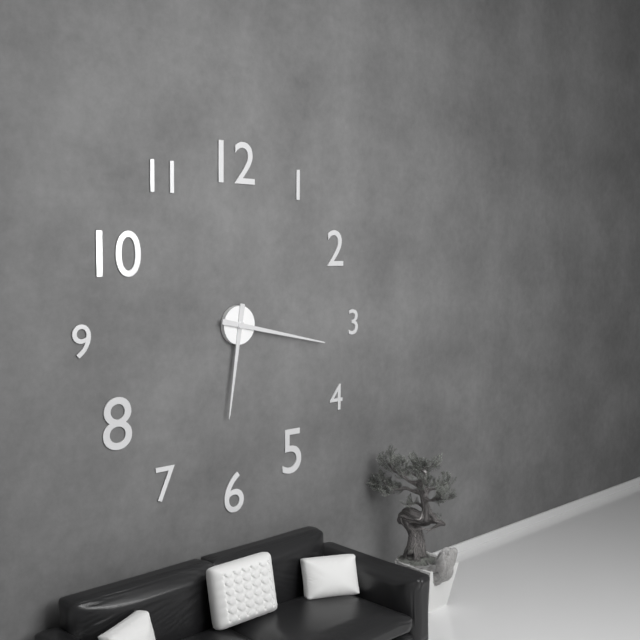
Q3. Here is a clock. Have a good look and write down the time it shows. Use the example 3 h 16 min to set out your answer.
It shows 6 h 17 min
